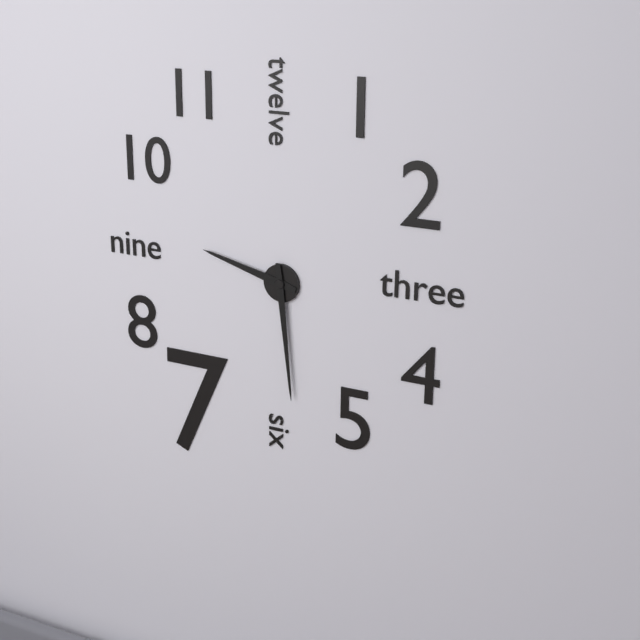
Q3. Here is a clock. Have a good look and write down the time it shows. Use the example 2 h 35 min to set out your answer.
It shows 9 h 29 min
